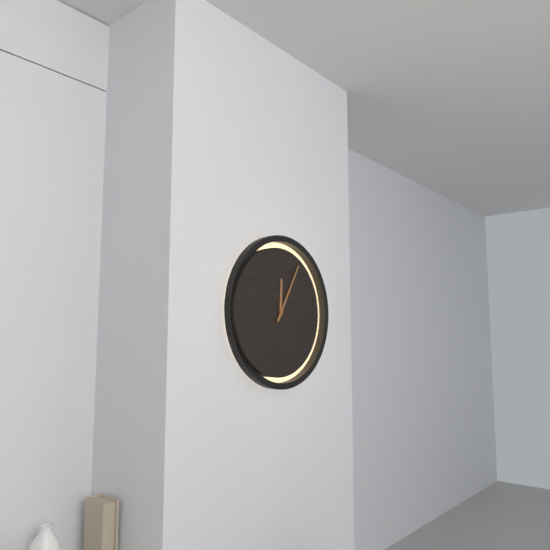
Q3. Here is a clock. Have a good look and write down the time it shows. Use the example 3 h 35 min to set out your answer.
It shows 12 h 05 min
